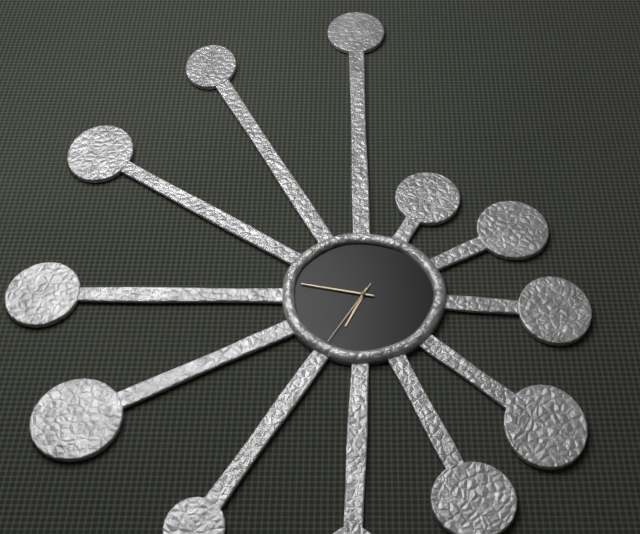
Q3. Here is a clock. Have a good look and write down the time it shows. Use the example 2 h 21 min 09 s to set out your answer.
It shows 6 h 47 min 35 s
